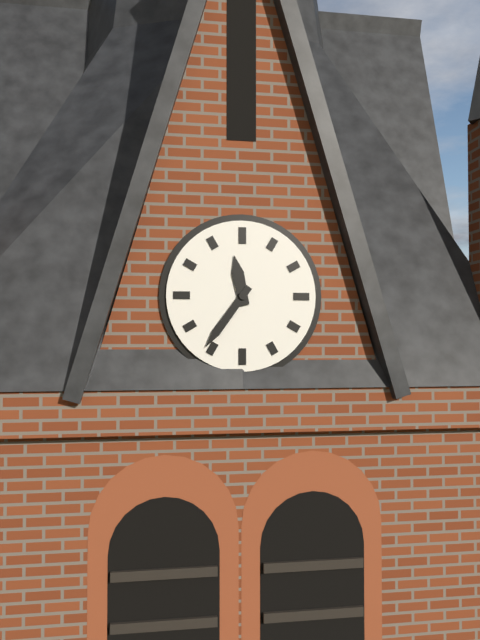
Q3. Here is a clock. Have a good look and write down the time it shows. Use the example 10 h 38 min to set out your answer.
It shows 11 h 36 min
